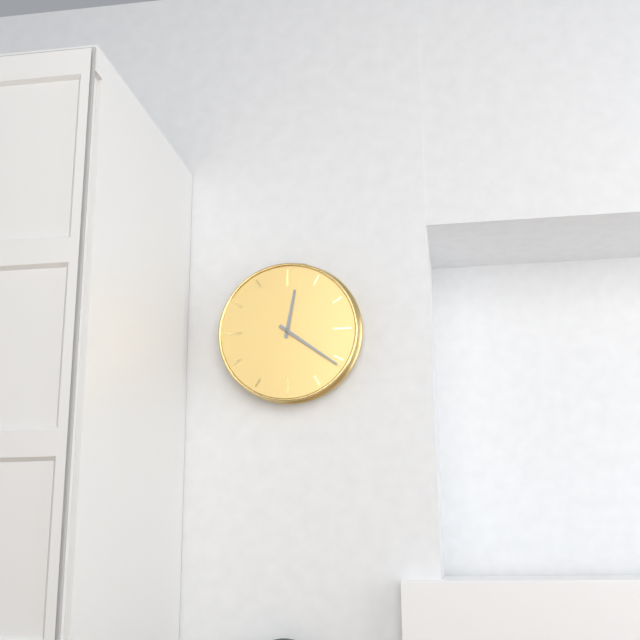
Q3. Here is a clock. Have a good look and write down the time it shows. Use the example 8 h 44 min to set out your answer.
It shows 12 h 21 min
